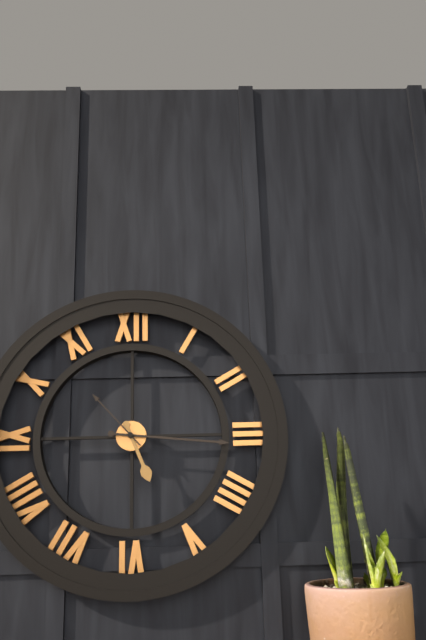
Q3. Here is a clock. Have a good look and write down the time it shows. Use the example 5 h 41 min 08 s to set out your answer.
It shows 5 h 16 min 53 s
